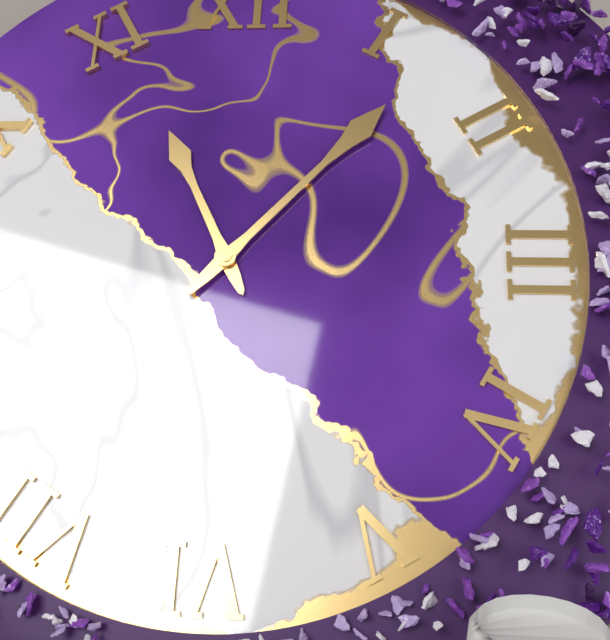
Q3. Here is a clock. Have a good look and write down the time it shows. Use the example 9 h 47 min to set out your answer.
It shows 11 h 07 min
